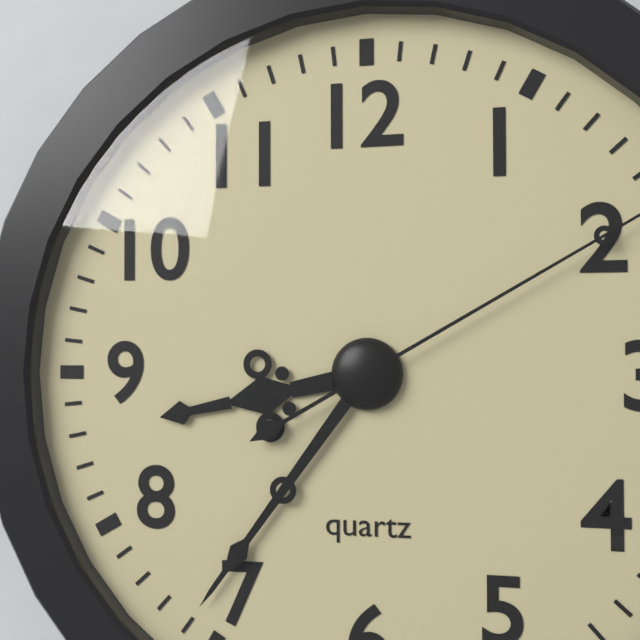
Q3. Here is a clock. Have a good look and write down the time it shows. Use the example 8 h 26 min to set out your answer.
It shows 8 h 36 min
